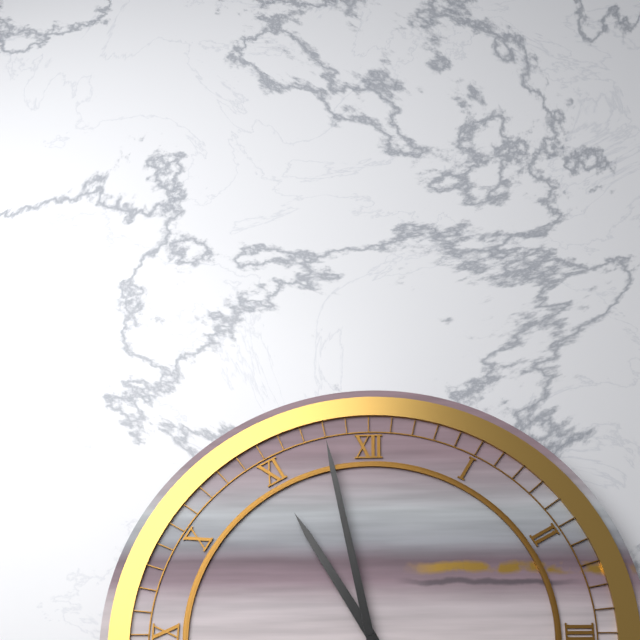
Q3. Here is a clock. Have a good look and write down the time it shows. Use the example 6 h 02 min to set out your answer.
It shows 10 h 58 min
